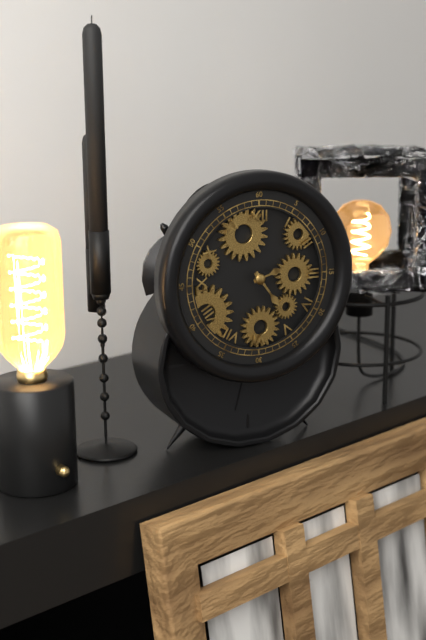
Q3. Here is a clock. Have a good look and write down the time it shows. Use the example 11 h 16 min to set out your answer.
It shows 2 h 24 min
